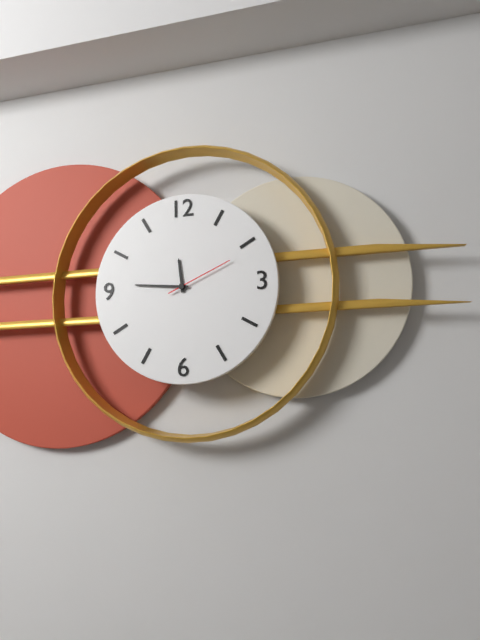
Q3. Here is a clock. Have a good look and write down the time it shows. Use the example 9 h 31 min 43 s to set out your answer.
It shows 11 h 46 min 11 s
